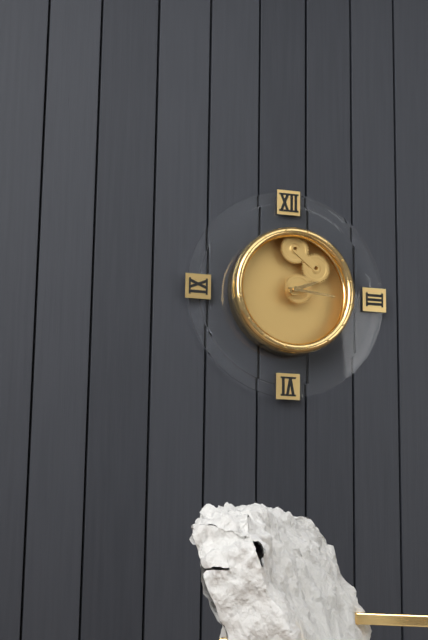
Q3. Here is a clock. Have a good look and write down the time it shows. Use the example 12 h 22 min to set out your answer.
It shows 2 h 16 min
